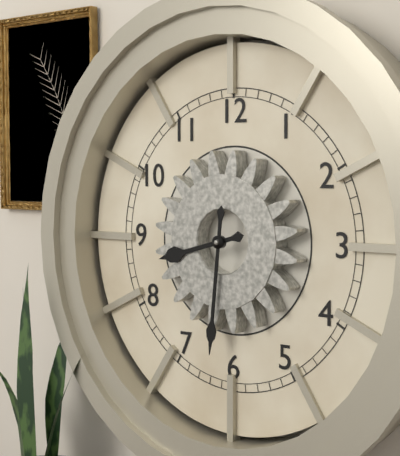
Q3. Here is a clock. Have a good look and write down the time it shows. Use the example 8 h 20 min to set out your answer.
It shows 8 h 31 min
